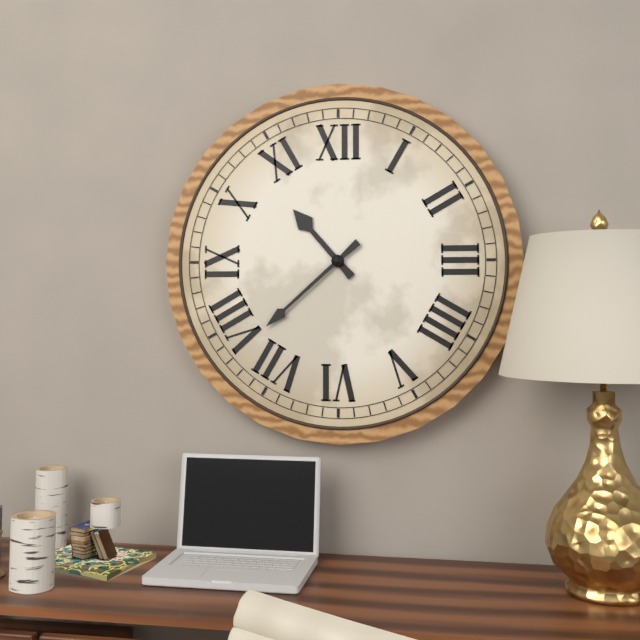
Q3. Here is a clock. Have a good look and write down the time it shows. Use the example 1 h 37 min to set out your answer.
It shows 10 h 38 min
